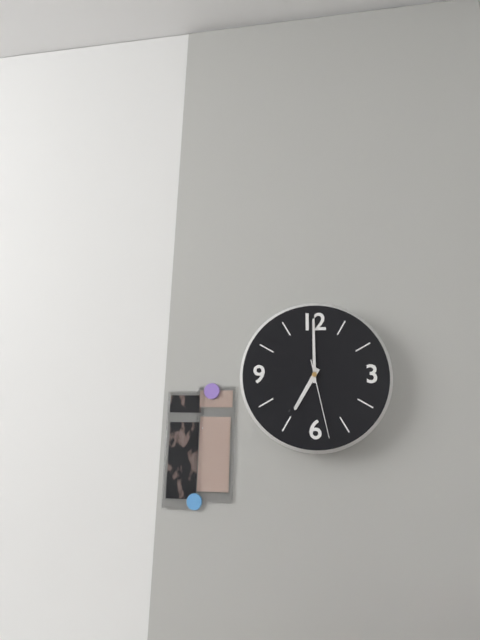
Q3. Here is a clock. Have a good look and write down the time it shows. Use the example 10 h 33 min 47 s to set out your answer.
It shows 7 h 00 min 28 s
